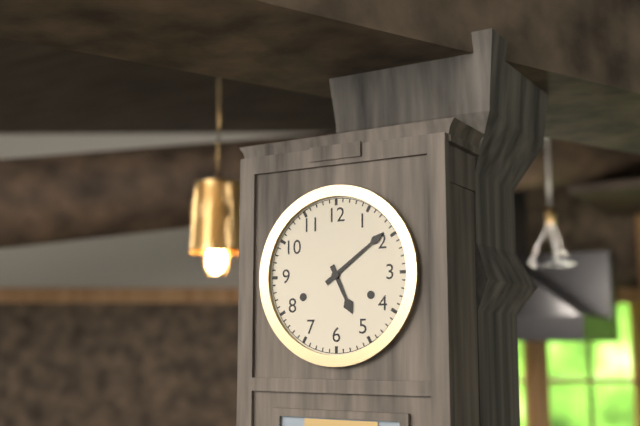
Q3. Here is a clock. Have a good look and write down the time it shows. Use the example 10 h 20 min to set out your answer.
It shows 5 h 09 min
